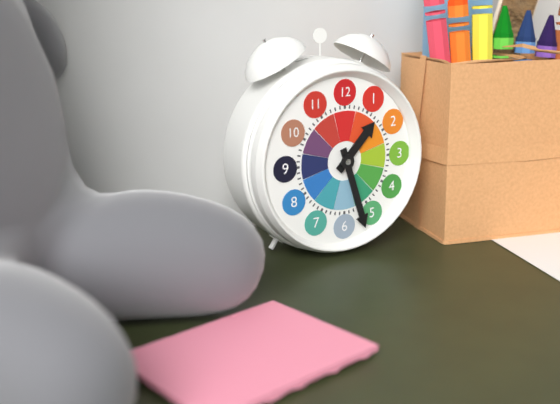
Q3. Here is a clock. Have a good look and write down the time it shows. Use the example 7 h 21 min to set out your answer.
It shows 1 h 27 min
